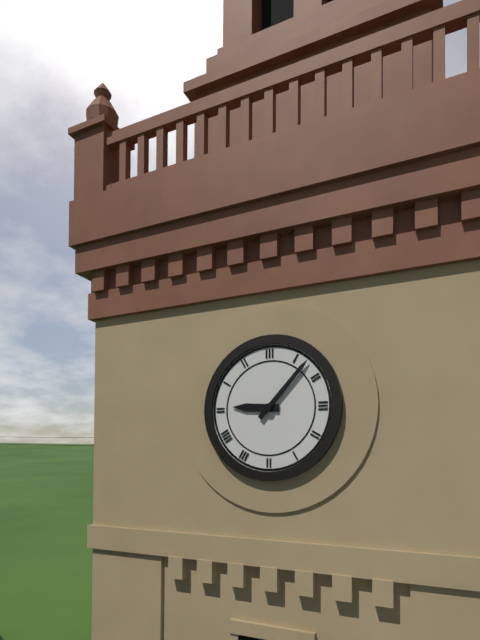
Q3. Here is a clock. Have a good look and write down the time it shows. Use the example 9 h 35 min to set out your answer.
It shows 9 h 07 min
